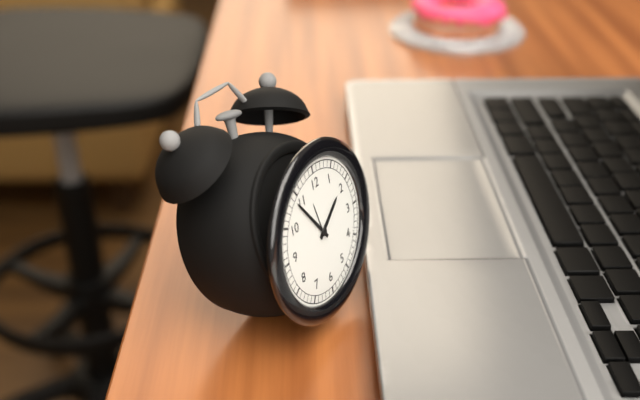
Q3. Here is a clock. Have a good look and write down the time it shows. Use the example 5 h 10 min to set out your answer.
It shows 1 h 54 min
